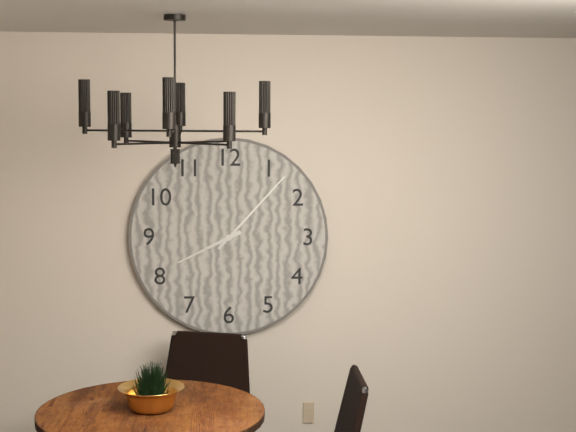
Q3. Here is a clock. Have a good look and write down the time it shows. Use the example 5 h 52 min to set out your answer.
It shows 8 h 07 min
